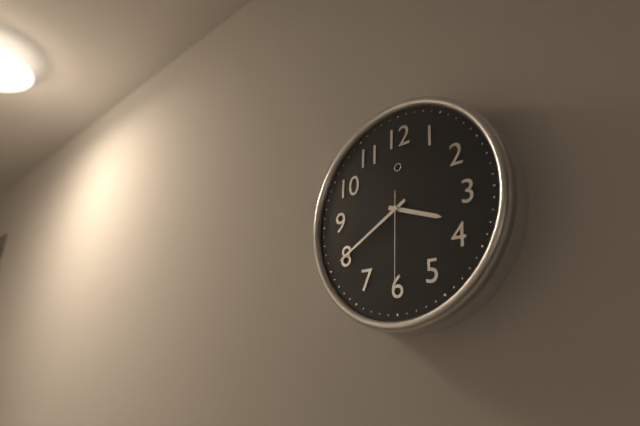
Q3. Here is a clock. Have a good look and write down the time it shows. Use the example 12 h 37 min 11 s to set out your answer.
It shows 3 h 40 min 30 s
